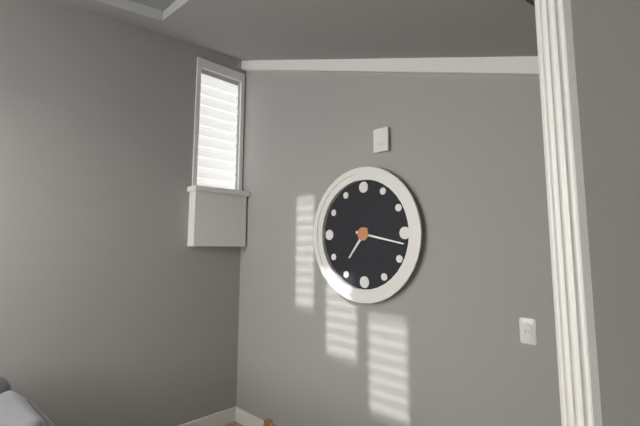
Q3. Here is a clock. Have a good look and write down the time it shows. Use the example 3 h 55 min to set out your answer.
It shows 7 h 17 min
